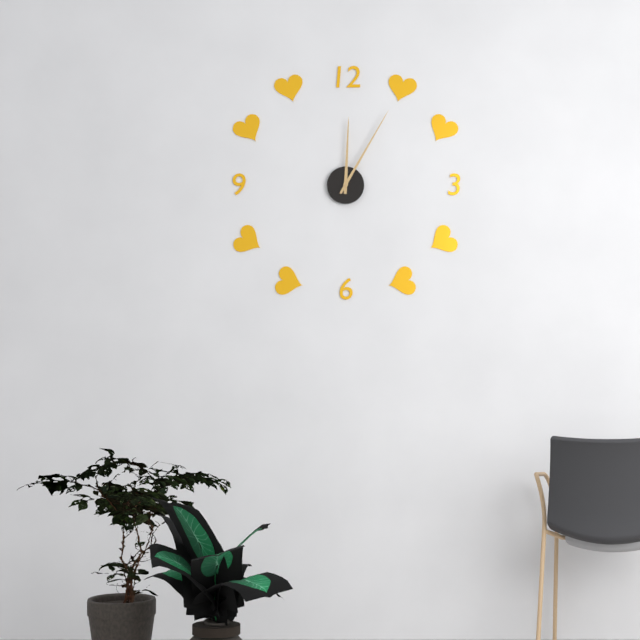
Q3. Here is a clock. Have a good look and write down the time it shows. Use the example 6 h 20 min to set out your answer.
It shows 12 h 05 min
